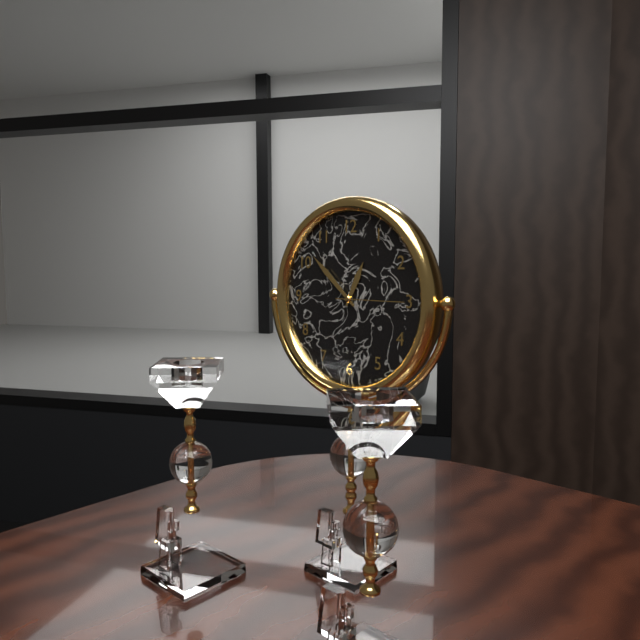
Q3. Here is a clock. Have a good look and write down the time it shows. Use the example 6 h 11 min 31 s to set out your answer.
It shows 12 h 52 min 15 s
